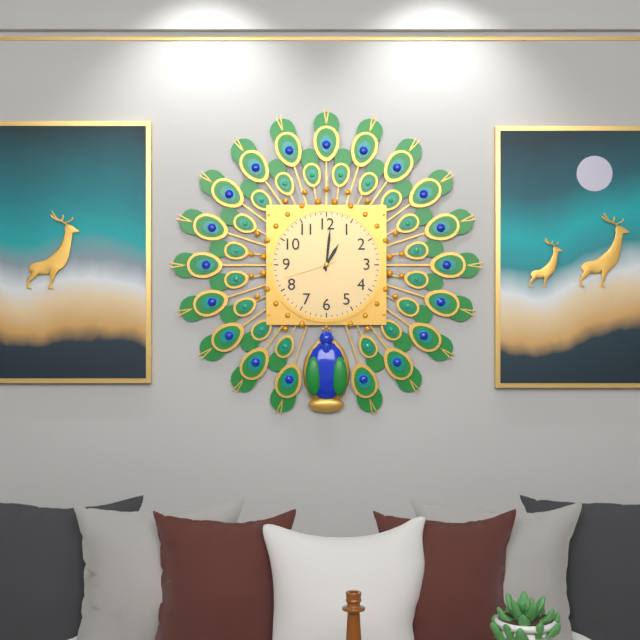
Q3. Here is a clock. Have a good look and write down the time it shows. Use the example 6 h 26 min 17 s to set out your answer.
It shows 1 h 01 min 42 s
